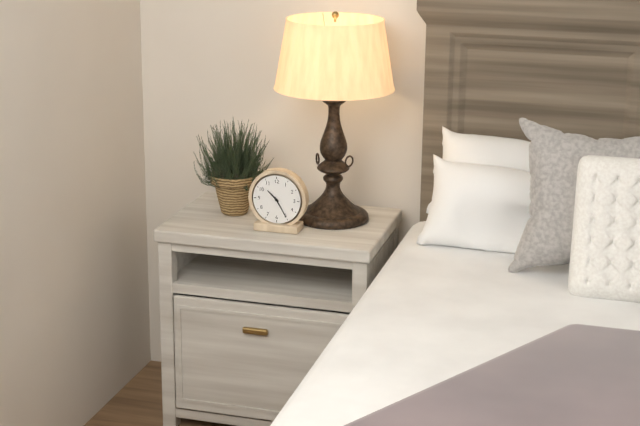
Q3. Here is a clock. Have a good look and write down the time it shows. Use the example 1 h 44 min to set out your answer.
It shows 10 h 25 min
